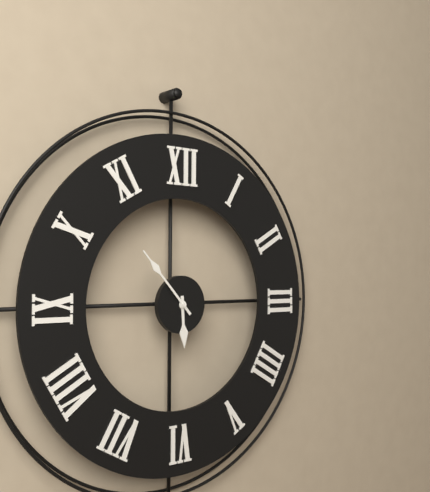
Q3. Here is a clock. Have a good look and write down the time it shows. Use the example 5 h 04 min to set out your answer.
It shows 5 h 53 min
